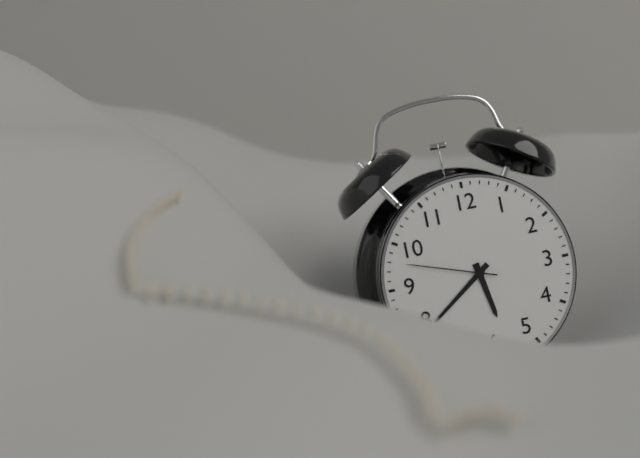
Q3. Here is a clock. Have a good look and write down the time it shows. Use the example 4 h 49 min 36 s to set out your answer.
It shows 5 h 39 min 48 s
